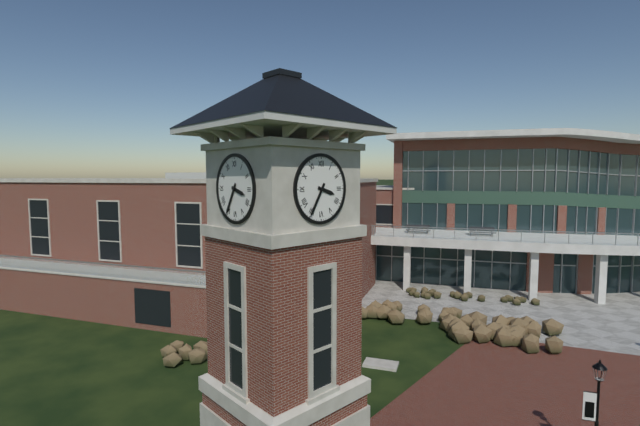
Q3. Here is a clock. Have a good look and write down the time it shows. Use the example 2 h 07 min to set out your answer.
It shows 3 h 35 min
